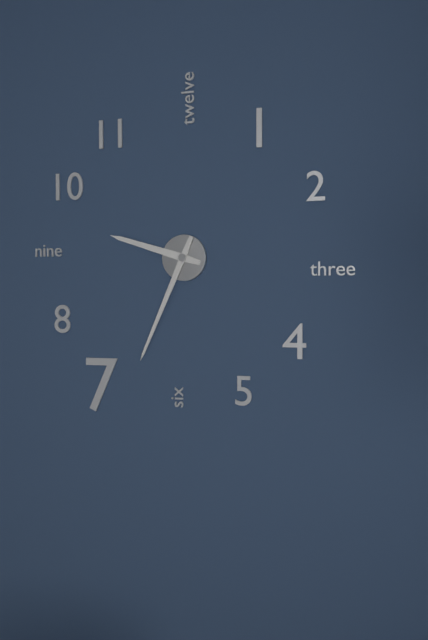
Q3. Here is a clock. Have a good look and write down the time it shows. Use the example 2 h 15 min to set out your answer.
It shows 9 h 34 min
